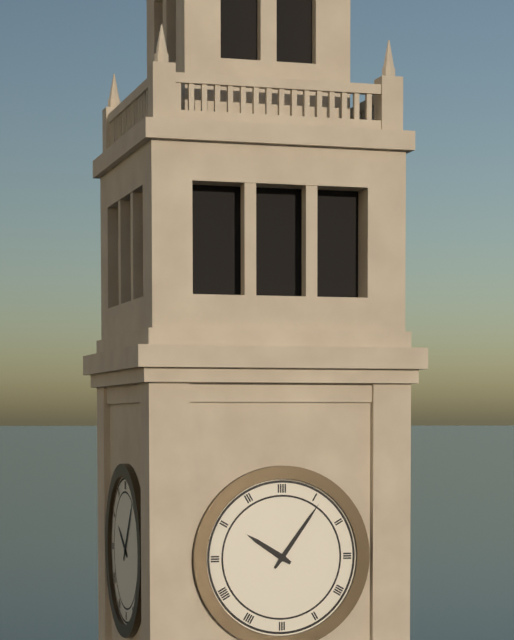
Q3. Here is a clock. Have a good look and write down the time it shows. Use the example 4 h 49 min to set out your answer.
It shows 10 h 06 min
